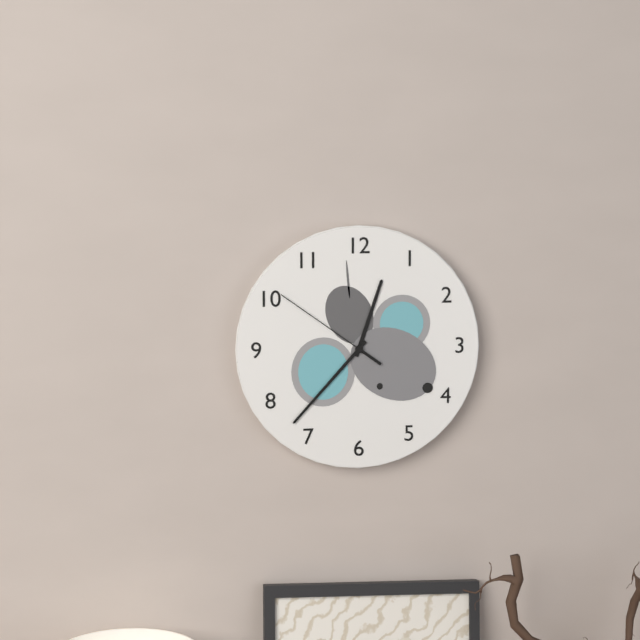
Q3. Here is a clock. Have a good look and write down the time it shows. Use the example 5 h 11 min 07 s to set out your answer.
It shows 12 h 37 min 51 s
